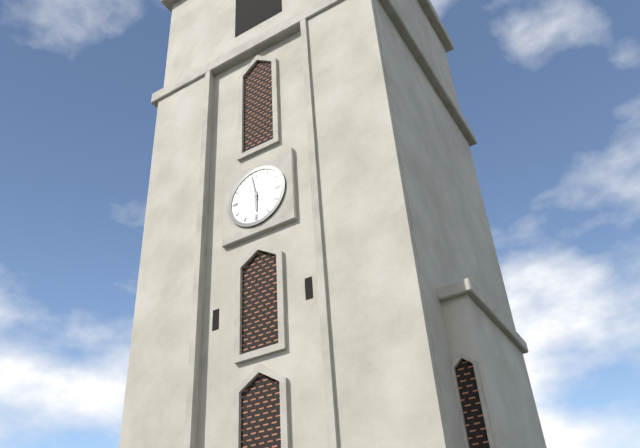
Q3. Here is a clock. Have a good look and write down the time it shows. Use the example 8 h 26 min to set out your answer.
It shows 5 h 58 min
